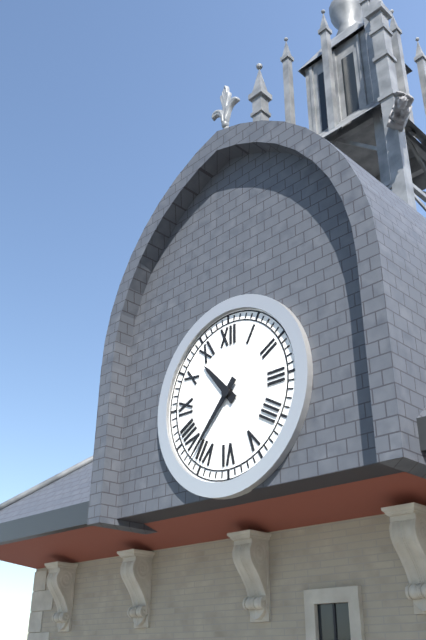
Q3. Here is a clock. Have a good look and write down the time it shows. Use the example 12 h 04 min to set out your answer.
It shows 10 h 37 min
